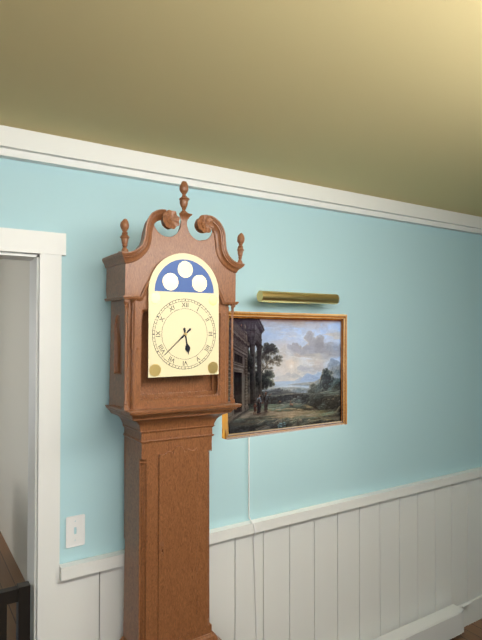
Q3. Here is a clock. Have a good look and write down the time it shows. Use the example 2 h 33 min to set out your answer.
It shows 5 h 38 min
